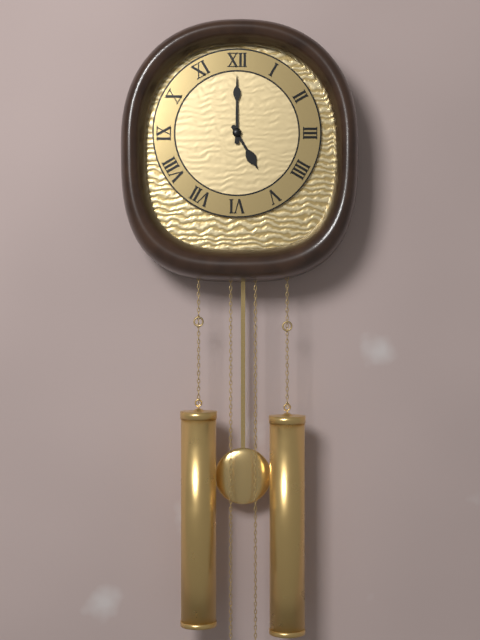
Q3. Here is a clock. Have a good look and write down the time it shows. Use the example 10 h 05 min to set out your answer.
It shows 5 h 00 min
